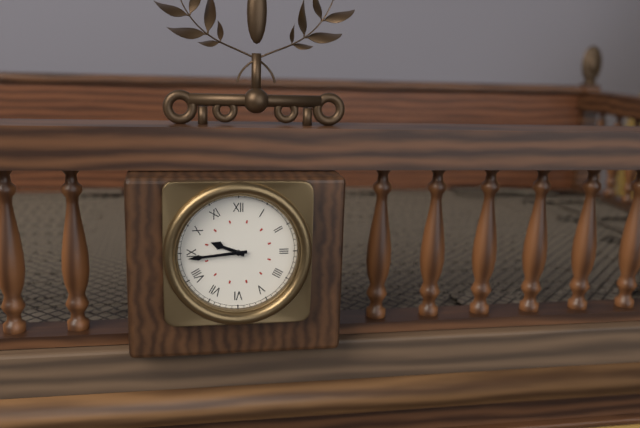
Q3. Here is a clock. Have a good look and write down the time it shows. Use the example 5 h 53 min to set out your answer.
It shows 9 h 44 min
